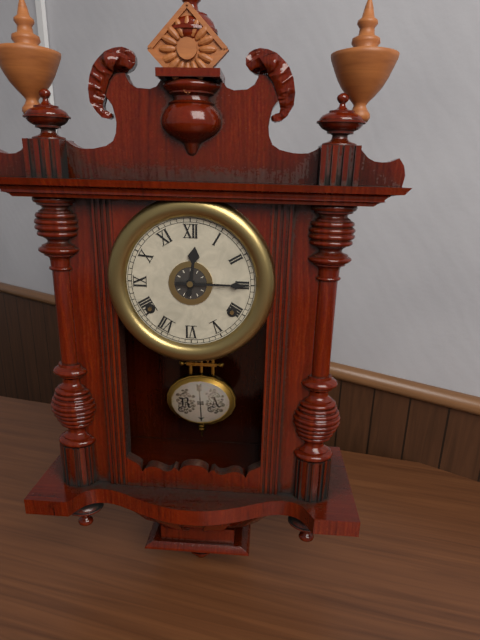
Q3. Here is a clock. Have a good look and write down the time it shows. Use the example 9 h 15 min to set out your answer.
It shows 12 h 15 min
